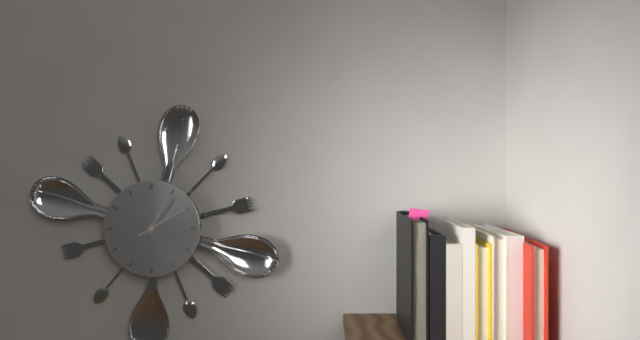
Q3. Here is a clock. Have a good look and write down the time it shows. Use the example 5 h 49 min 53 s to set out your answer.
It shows 1 h 06 min 10 s
